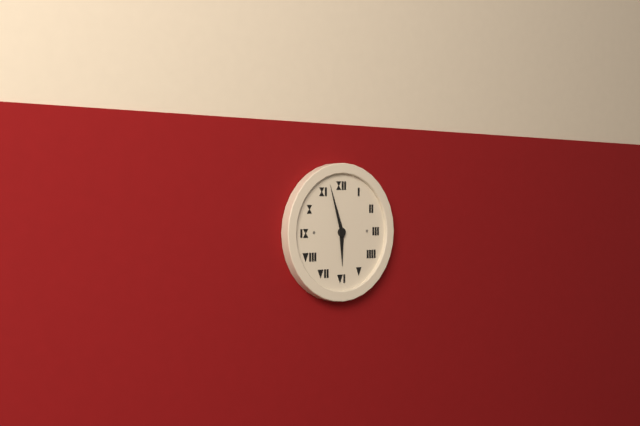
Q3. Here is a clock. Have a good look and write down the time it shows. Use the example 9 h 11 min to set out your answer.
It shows 5 h 57 min
